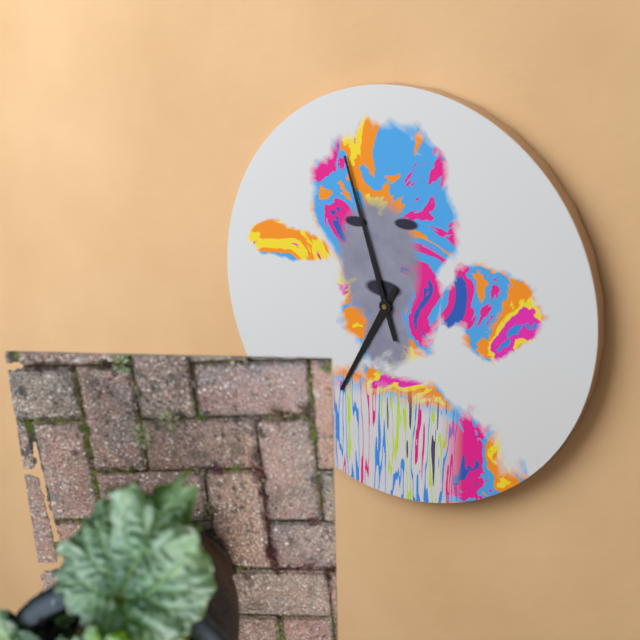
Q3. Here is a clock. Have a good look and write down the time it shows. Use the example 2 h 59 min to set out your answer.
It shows 6 h 57 min
